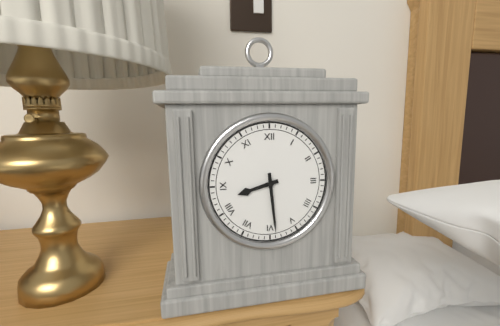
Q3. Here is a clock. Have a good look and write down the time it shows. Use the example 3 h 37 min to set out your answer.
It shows 8 h 29 min
